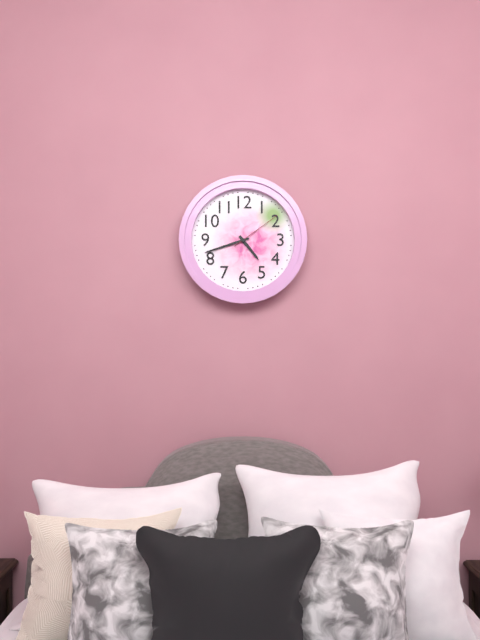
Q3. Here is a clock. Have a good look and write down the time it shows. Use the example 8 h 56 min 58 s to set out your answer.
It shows 4 h 42 min 09 s
